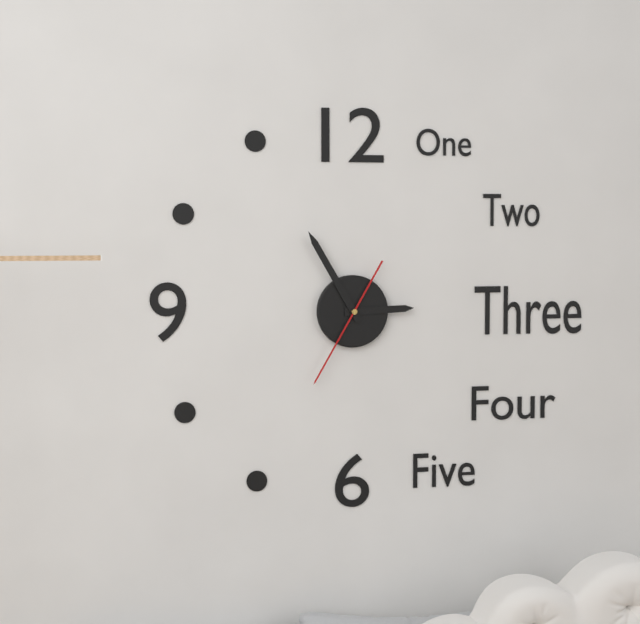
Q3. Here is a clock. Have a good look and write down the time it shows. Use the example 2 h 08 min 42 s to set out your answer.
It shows 2 h 55 min 35 s
